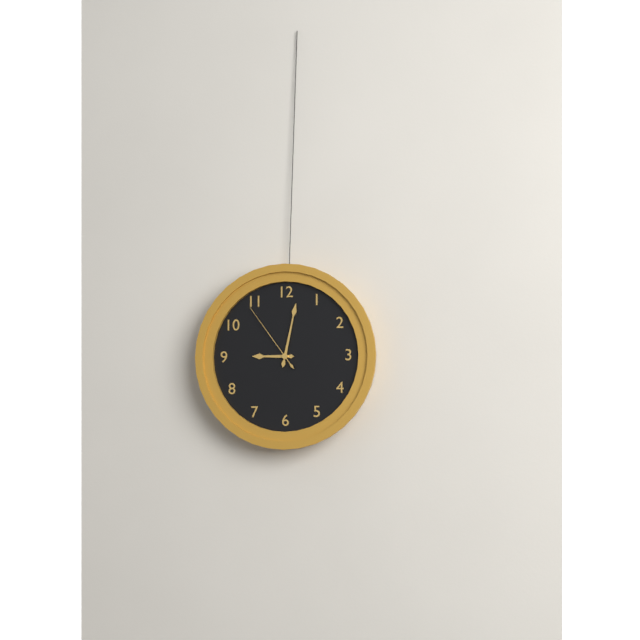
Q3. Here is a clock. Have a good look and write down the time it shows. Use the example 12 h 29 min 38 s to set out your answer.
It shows 9 h 02 min 54 s
